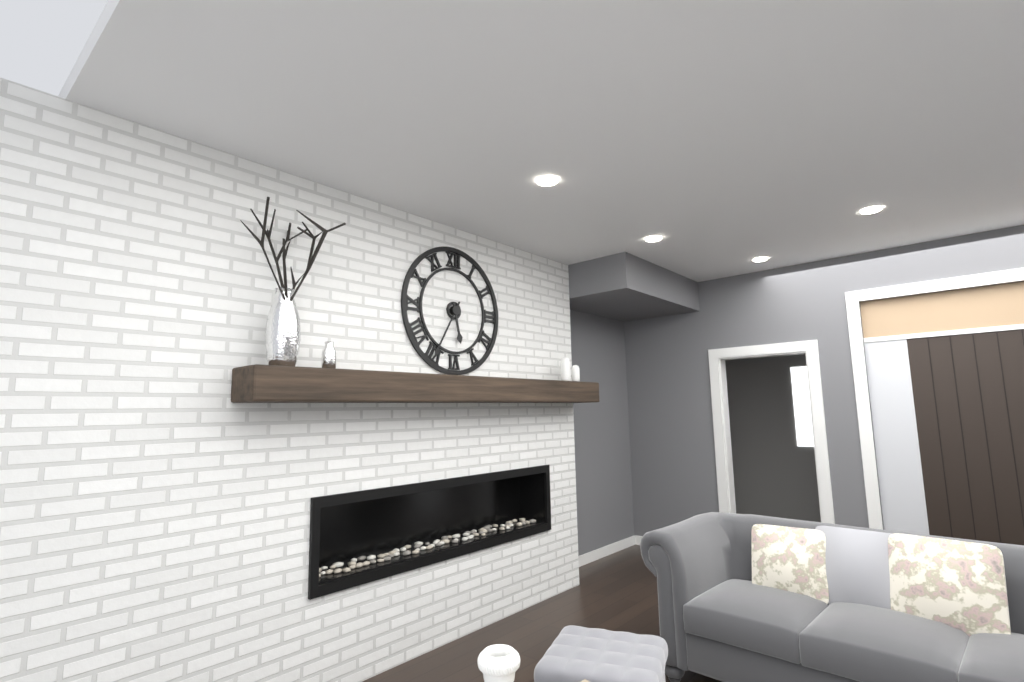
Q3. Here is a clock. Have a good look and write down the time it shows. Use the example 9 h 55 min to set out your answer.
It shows 5 h 35 min
